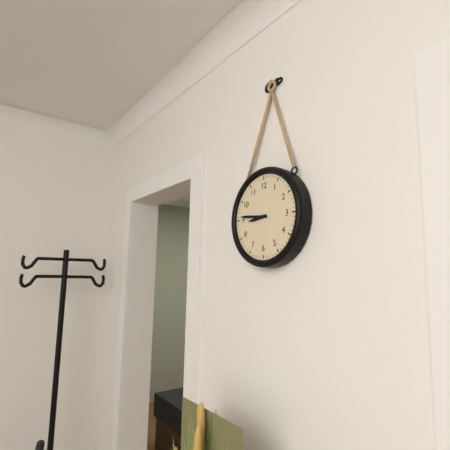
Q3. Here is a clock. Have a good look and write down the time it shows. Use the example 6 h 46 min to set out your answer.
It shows 8 h 46 min
